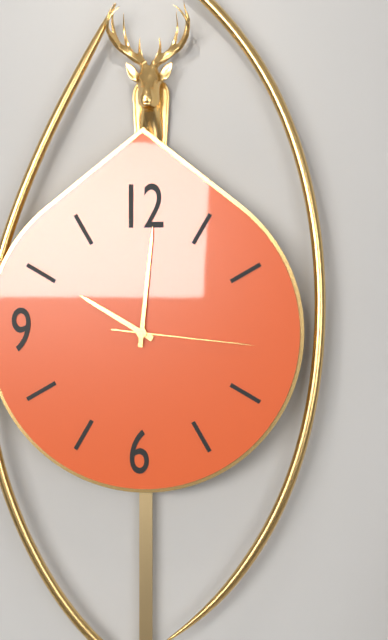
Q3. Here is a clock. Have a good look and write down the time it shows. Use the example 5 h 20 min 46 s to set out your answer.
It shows 10 h 01 min 16 s
